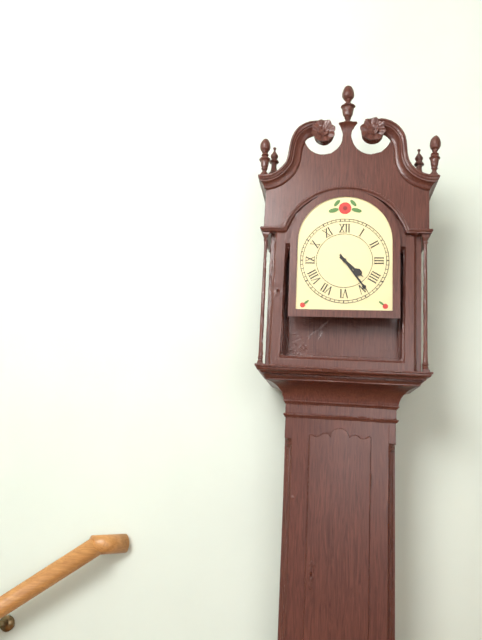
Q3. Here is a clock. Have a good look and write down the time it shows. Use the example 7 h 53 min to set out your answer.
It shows 4 h 24 min
